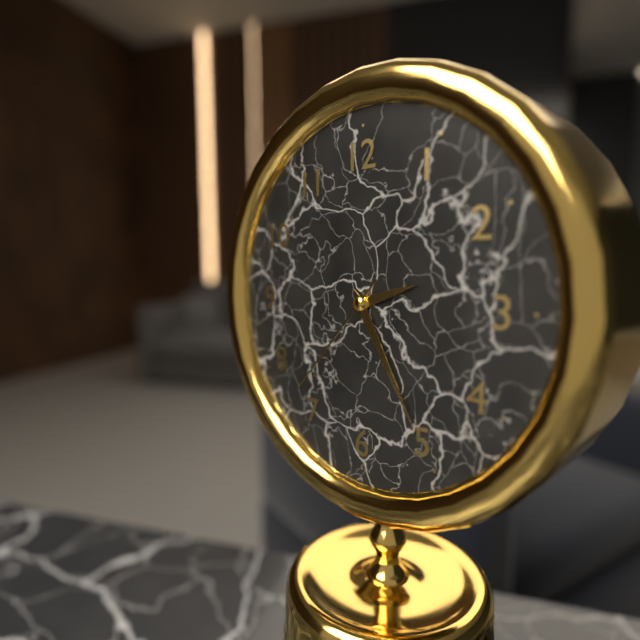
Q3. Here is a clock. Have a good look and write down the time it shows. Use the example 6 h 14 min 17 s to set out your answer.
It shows 2 h 25 min 37 s
